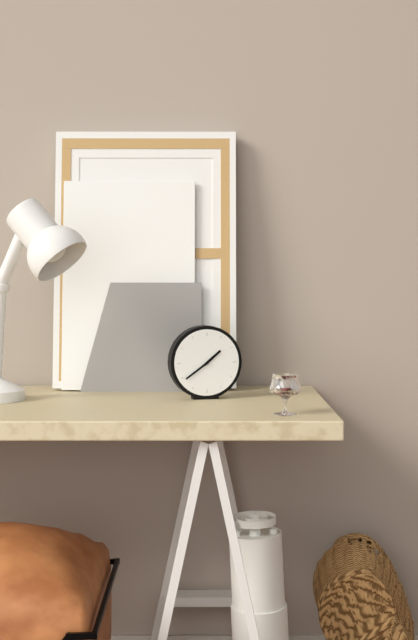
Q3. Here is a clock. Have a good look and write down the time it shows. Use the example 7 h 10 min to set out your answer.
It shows 1 h 39 min
